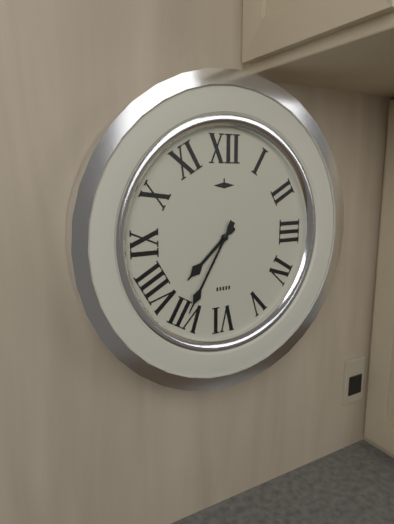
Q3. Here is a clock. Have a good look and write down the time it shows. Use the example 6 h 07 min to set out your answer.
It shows 7 h 35 min
